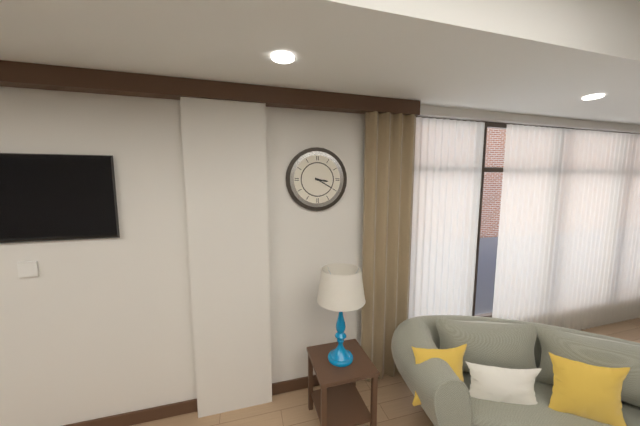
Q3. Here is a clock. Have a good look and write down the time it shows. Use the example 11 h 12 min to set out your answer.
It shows 3 h 20 min
